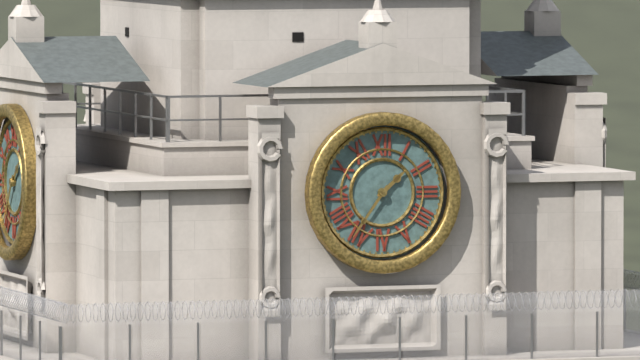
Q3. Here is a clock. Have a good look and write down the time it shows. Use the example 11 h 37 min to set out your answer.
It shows 1 h 36 min
